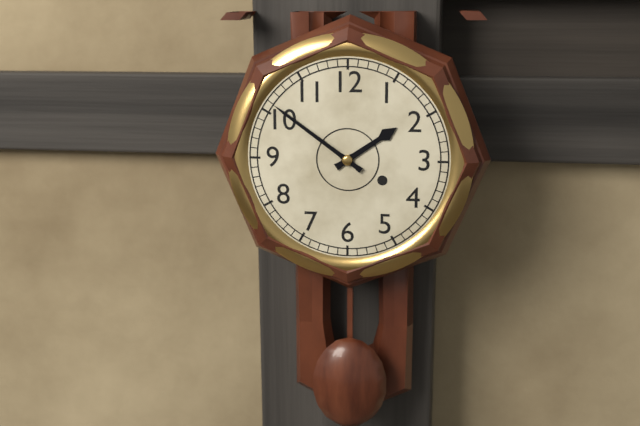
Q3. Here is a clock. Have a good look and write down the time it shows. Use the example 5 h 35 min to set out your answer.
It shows 1 h 51 min
